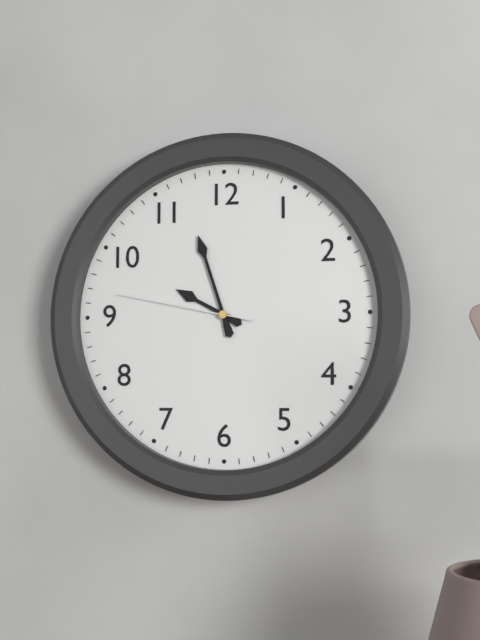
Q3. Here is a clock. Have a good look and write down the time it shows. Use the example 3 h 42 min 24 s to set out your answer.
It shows 9 h 57 min 47 s
